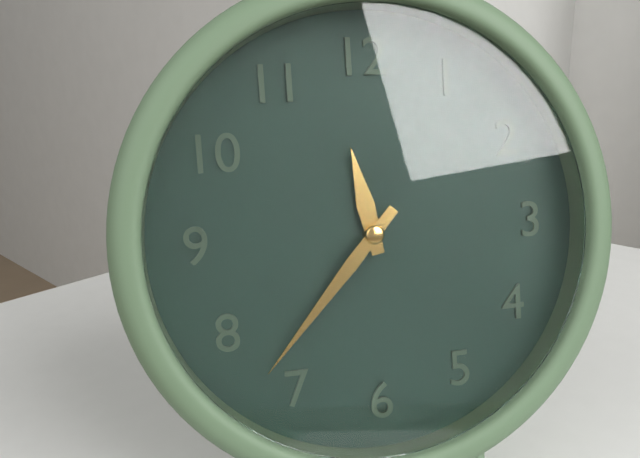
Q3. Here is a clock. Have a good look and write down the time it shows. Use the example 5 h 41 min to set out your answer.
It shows 11 h 37 min
